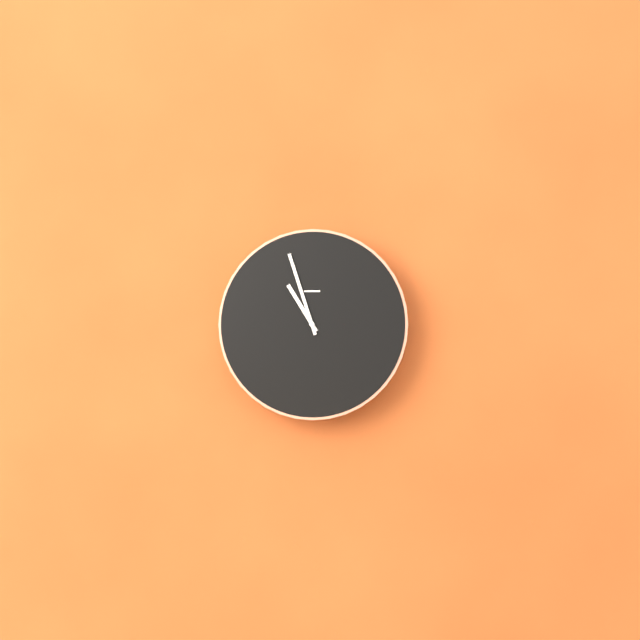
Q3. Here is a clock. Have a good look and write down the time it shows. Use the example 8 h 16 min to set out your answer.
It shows 10 h 57 min
